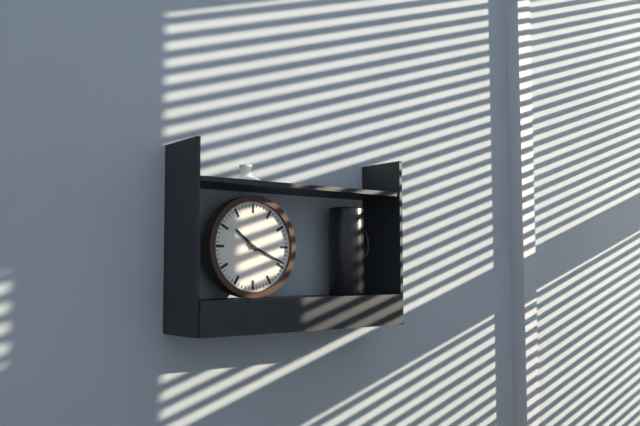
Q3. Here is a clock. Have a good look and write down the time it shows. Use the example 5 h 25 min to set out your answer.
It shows 10 h 19 min
